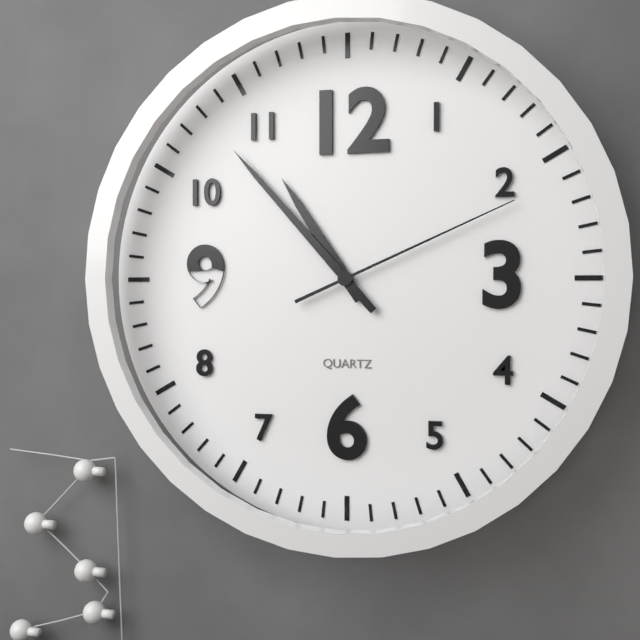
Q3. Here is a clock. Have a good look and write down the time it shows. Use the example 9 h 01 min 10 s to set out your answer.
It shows 10 h 53 min 11 s
